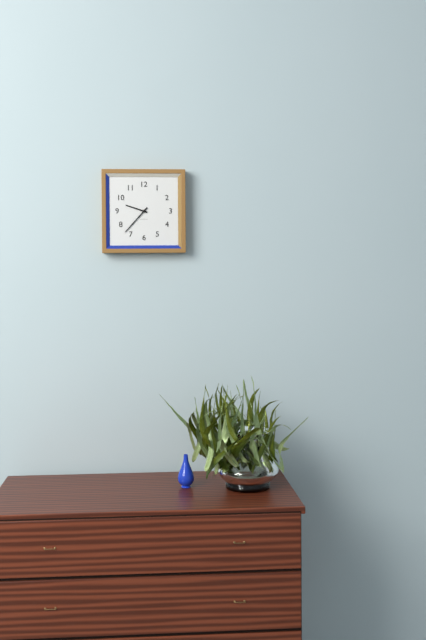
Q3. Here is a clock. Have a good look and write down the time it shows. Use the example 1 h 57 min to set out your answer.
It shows 9 h 37 min
